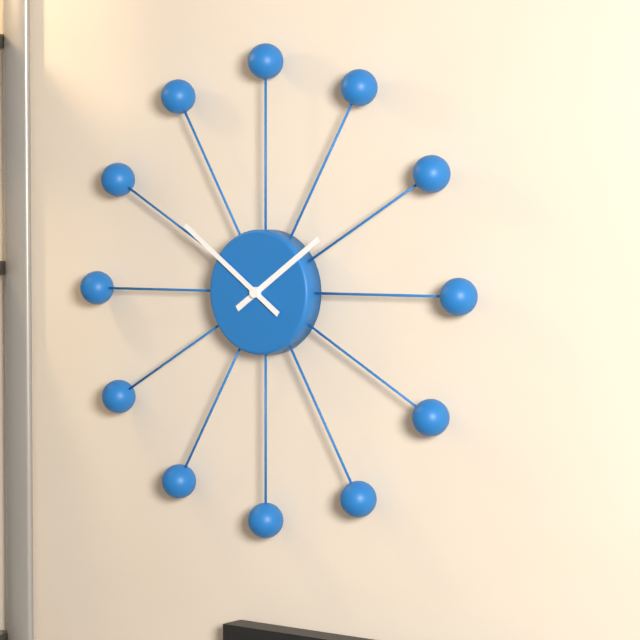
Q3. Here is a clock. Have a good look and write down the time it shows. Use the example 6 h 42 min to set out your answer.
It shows 1 h 51 min
